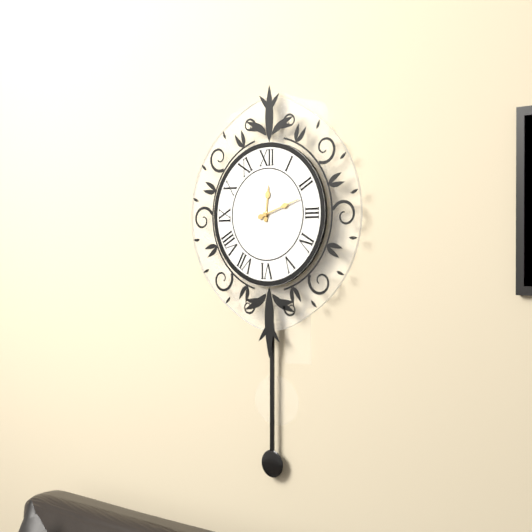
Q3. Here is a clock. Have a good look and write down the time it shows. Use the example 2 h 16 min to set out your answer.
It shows 12 h 12 min
